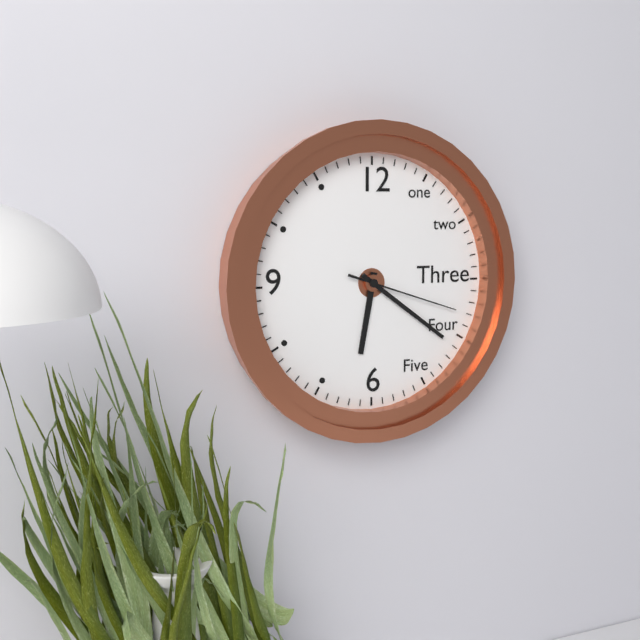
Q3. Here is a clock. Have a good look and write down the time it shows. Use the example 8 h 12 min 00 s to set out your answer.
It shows 6 h 21 min 18 s
